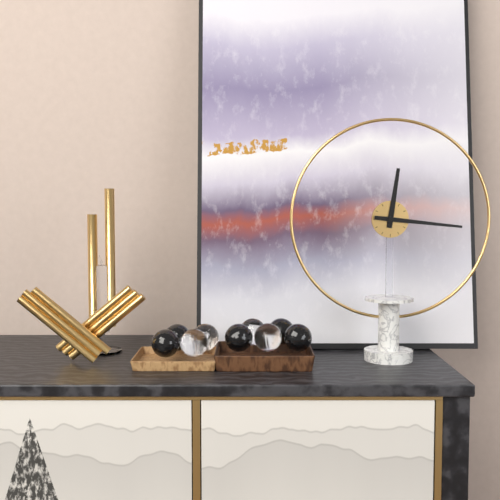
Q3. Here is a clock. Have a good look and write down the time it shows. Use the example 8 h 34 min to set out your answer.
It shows 12 h 16 min
